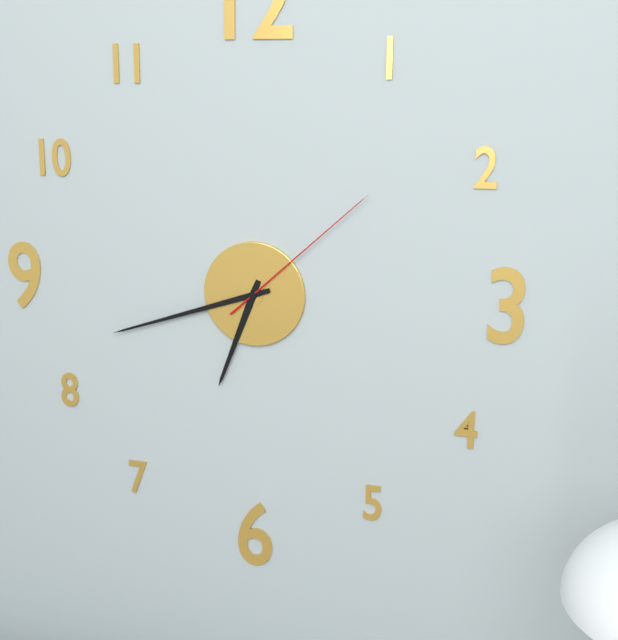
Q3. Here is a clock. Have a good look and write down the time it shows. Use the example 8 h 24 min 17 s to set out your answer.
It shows 6 h 42 min 08 s
